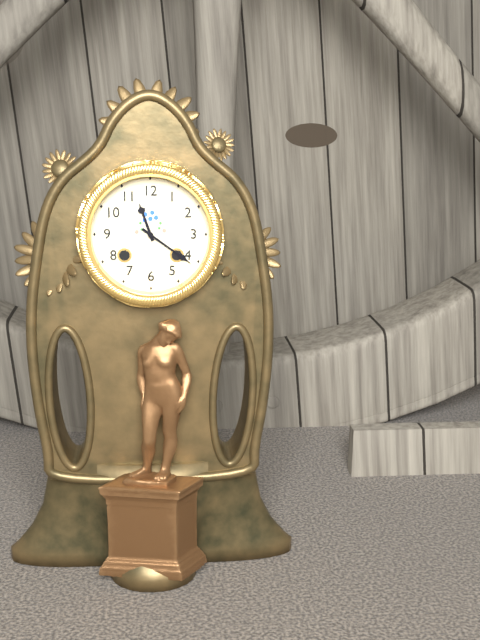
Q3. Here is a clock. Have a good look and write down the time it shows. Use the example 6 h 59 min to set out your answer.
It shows 11 h 21 min
